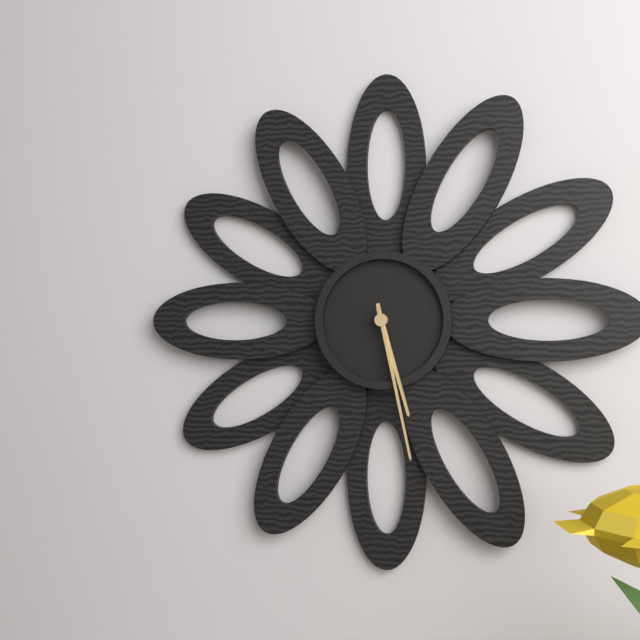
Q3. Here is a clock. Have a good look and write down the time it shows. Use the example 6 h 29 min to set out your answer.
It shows 5 h 28 min
